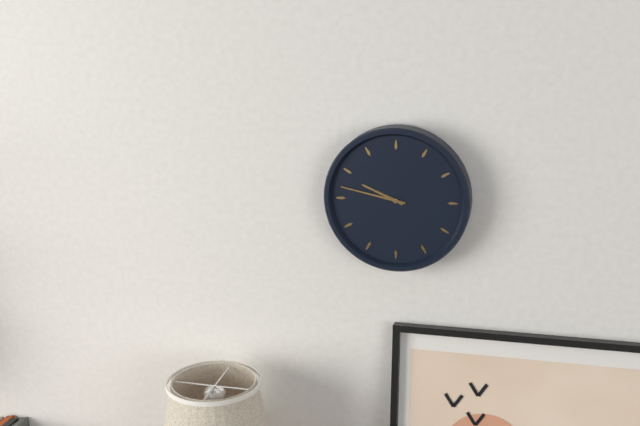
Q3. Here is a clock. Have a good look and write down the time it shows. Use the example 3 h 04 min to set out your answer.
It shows 9 h 47 min
